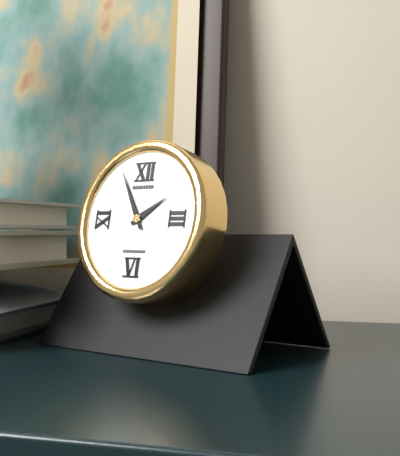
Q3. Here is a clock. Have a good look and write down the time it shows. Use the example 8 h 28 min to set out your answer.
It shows 1 h 55 min
